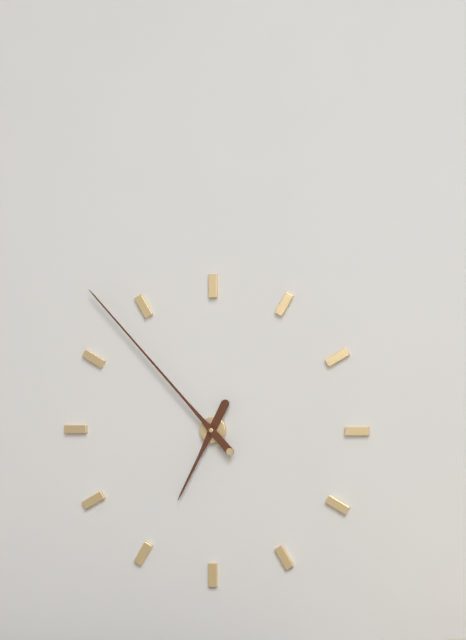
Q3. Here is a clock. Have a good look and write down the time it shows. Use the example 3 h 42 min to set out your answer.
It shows 6 h 53 min
